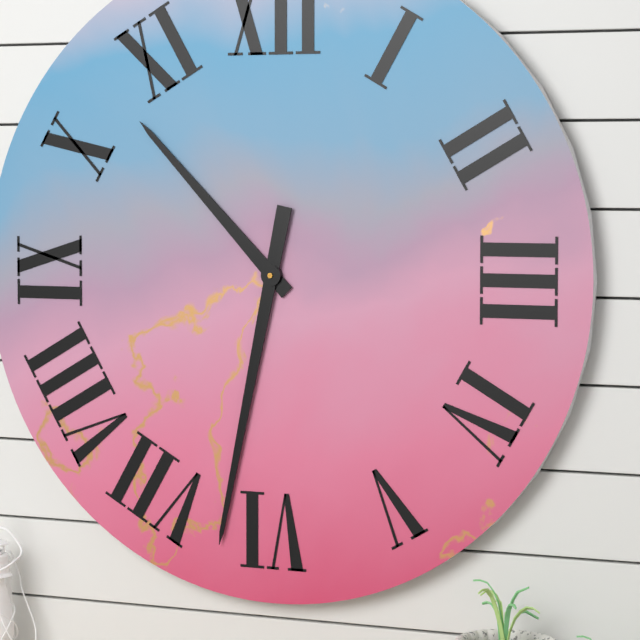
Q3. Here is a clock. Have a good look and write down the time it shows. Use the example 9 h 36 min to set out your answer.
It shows 10 h 32 min
